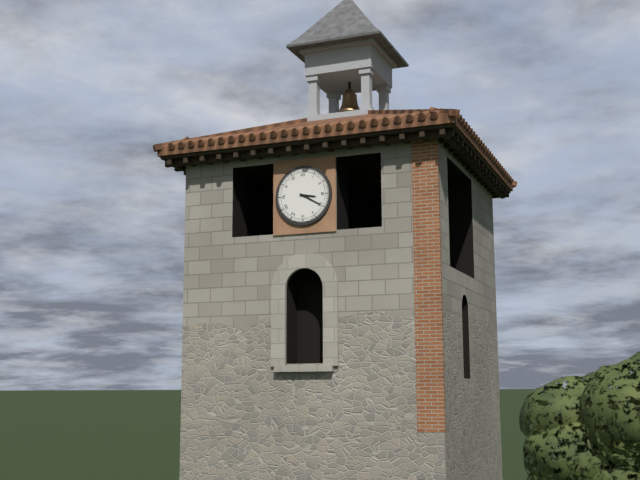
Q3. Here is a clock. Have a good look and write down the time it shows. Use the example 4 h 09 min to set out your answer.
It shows 3 h 20 min
